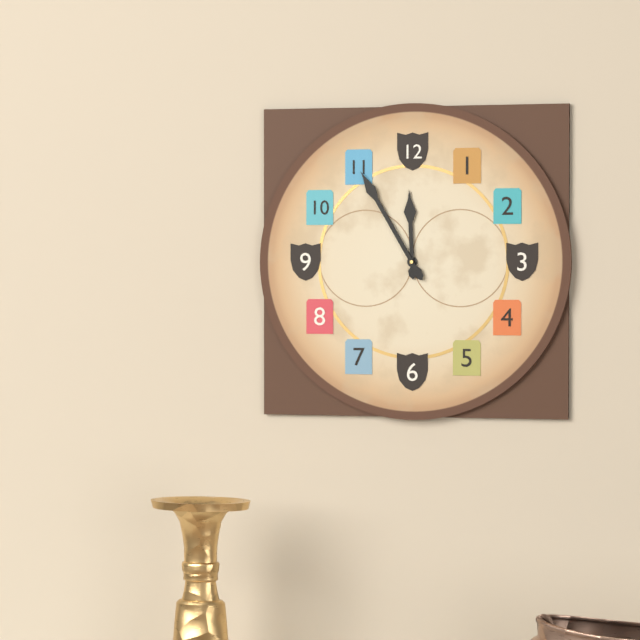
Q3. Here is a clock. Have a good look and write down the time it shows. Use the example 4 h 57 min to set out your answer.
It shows 11 h 55 min
